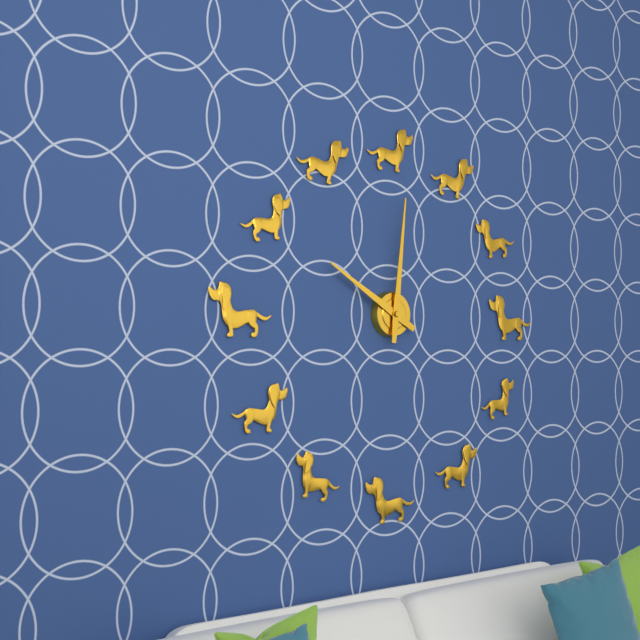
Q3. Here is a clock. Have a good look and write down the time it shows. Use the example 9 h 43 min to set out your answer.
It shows 10 h 01 min
